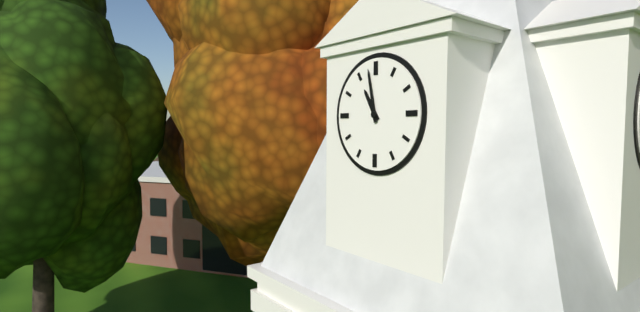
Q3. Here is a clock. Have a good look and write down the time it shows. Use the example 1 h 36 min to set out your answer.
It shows 10 h 58 min
